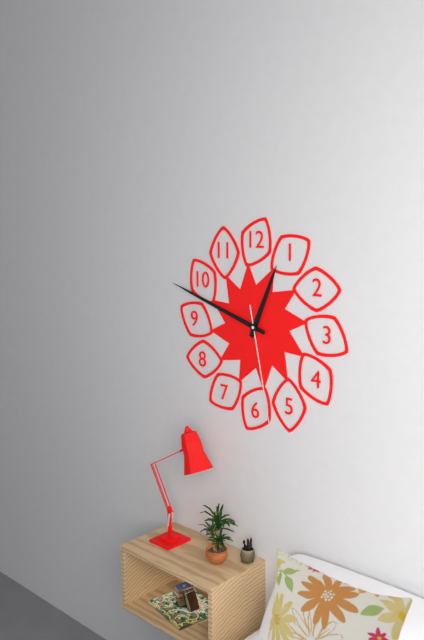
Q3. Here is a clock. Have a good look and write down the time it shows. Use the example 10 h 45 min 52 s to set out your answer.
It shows 12 h 48 min 28 s
